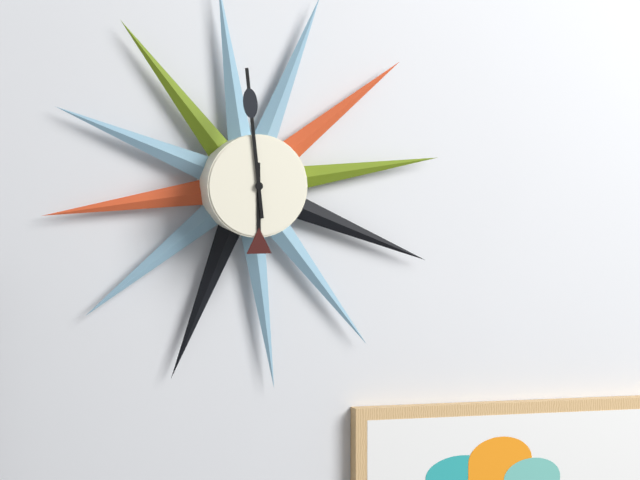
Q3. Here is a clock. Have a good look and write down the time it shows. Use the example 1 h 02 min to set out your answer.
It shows 5 h 59 min
